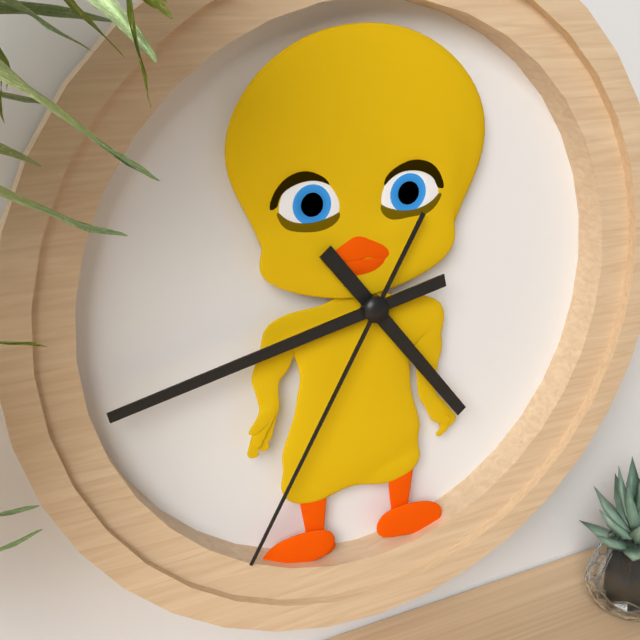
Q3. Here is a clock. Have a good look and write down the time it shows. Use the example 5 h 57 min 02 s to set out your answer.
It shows 4 h 43 min 35 s
